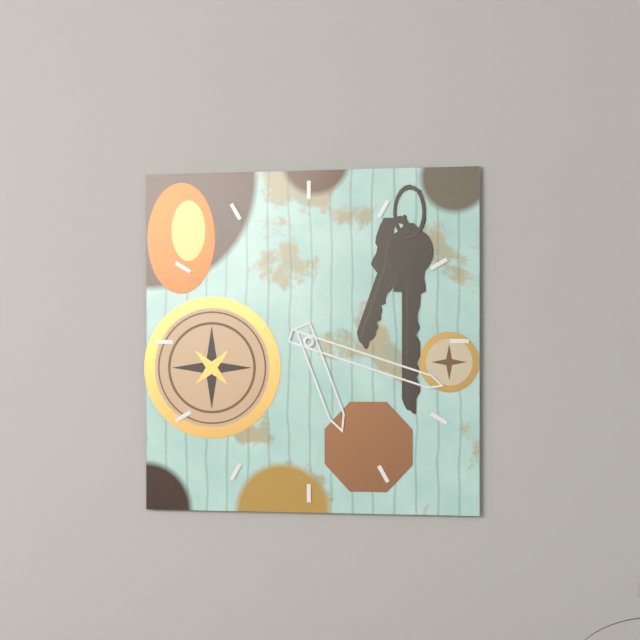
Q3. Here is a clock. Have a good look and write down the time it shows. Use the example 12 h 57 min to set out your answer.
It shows 5 h 18 min
